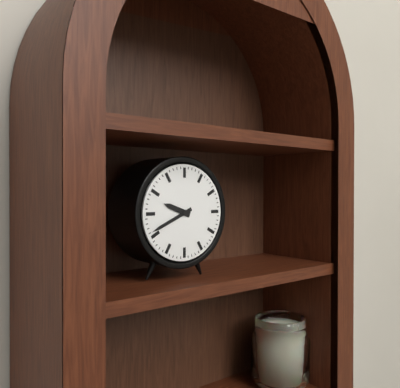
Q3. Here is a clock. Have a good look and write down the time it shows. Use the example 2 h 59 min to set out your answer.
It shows 9 h 41 min
